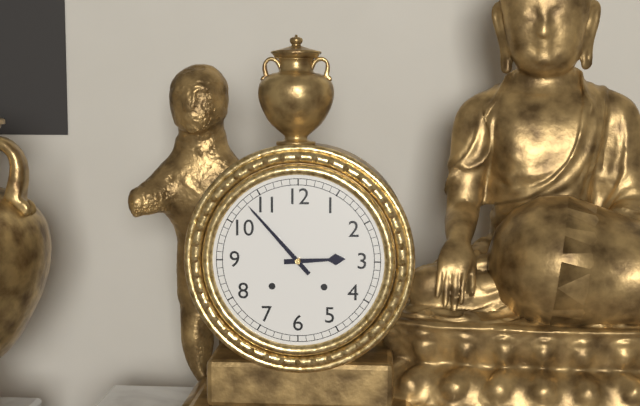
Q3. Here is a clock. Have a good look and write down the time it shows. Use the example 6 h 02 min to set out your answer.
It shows 2 h 53 min
